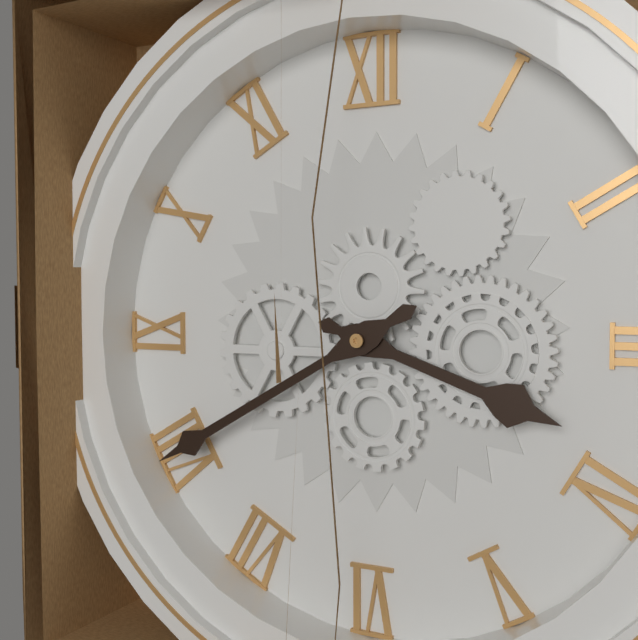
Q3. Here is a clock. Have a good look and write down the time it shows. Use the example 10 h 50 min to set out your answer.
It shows 3 h 40 min
